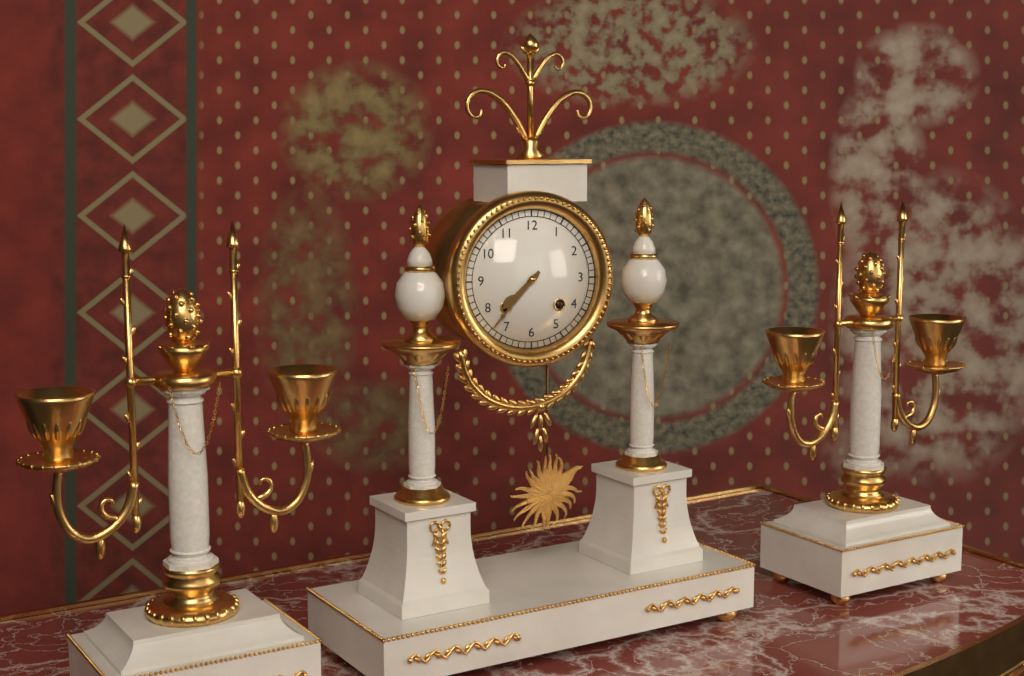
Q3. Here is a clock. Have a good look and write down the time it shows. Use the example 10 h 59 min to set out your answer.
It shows 7 h 37 min
